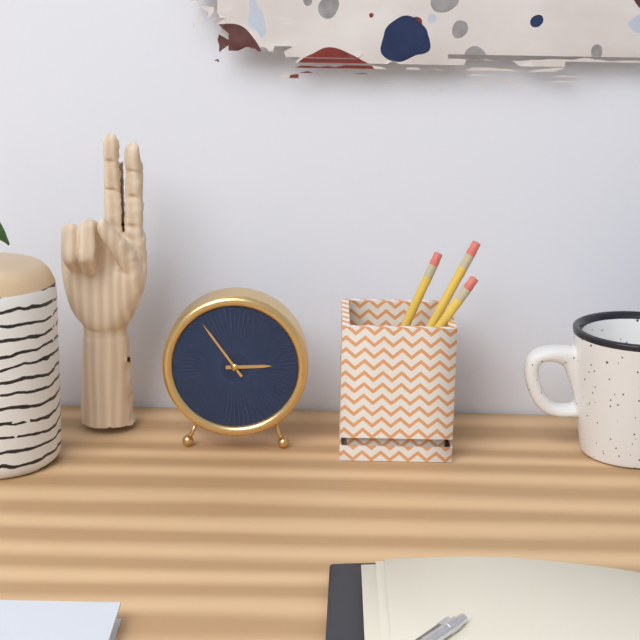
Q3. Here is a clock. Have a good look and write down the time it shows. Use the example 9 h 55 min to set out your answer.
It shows 2 h 54 min
